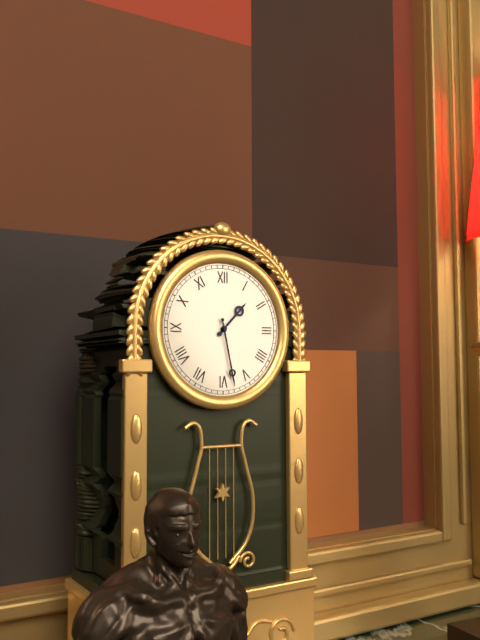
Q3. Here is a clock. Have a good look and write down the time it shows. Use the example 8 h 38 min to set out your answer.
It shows 1 h 28 min
